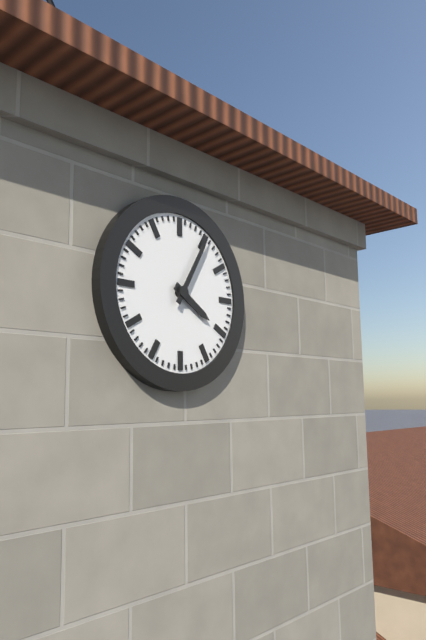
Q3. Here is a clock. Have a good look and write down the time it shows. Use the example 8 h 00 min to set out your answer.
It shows 4 h 05 min
